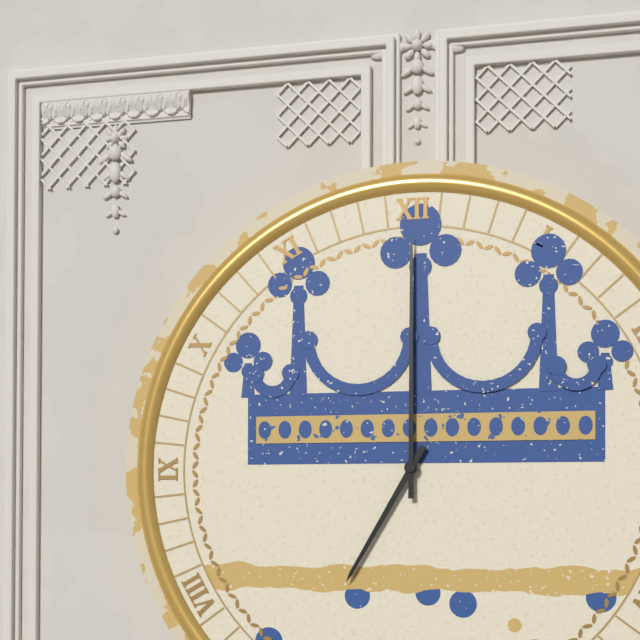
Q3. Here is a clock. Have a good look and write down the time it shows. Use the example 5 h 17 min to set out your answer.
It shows 7 h 00 min
